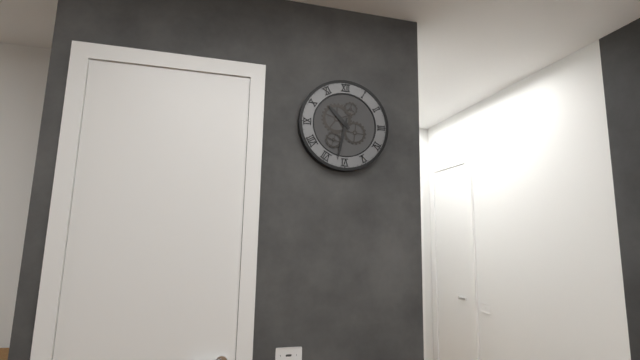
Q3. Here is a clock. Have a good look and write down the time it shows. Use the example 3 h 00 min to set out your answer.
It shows 10 h 32 min
